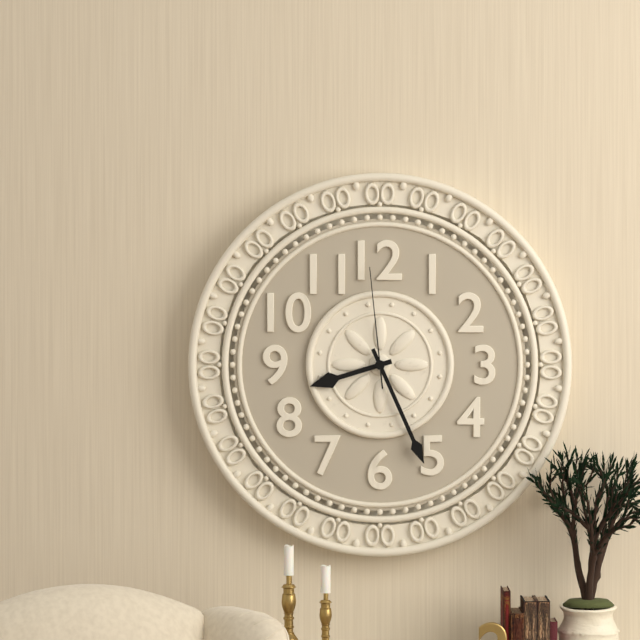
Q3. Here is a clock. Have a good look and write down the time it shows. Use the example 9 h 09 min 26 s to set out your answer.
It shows 8 h 26 min 59 s
